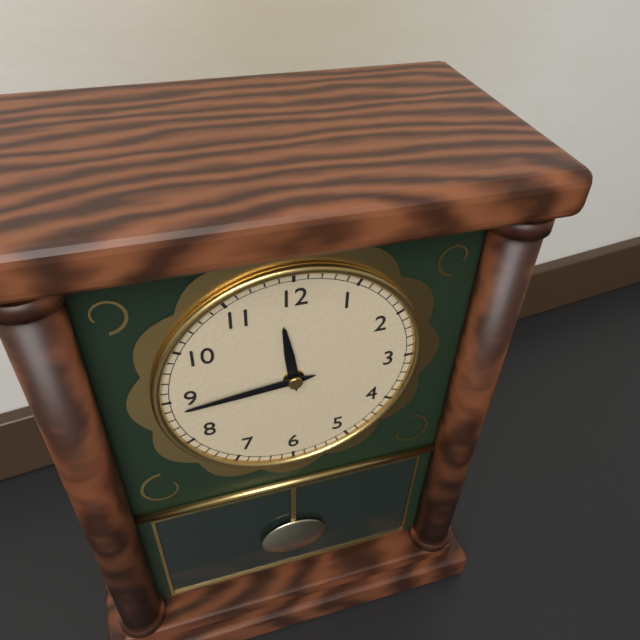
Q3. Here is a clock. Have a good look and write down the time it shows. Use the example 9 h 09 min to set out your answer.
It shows 11 h 44 min
